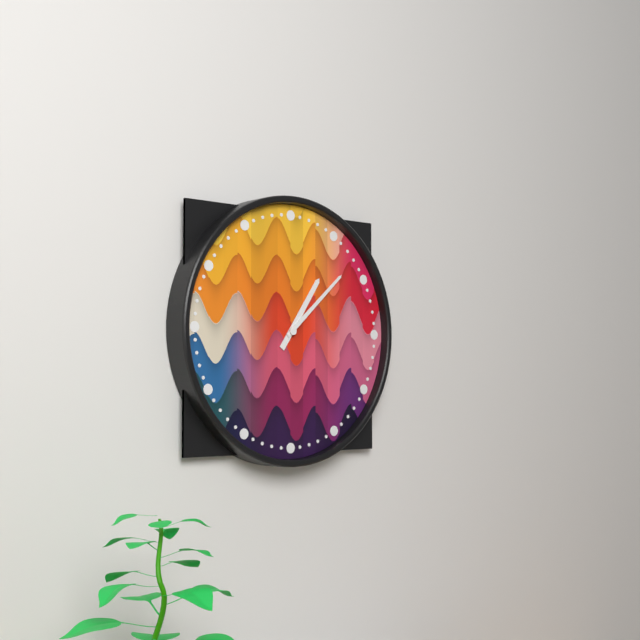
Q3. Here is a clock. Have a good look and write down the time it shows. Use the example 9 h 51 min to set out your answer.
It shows 1 h 08 min
